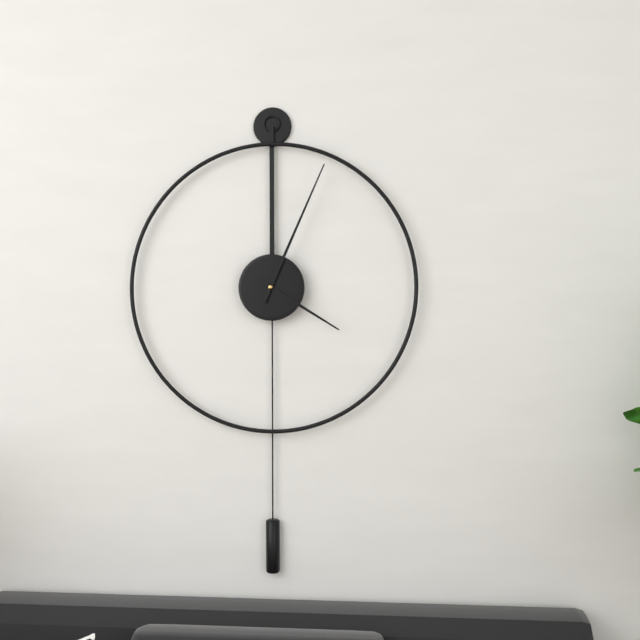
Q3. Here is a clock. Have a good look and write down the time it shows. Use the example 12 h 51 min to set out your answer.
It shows 4 h 04 min
